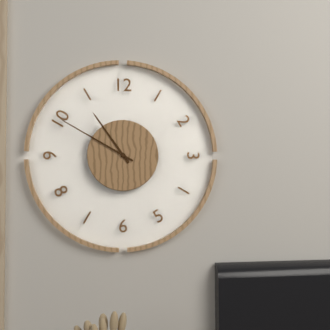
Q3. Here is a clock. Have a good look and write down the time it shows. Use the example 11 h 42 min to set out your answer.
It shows 10 h 50 min
